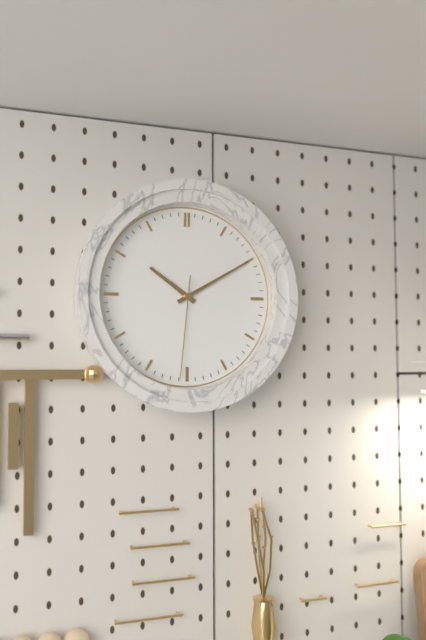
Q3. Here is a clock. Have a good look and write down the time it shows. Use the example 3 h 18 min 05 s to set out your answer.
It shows 10 h 10 min 31 s
